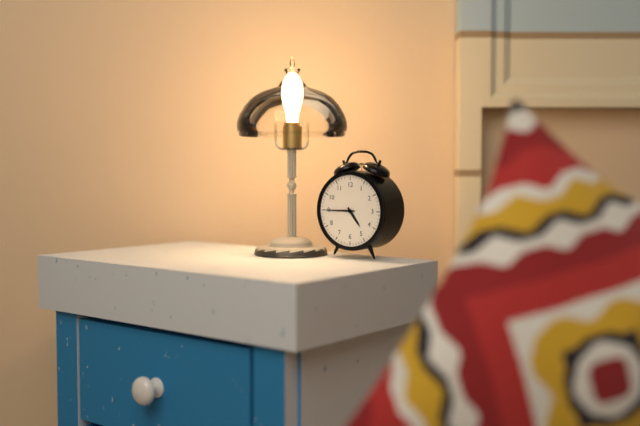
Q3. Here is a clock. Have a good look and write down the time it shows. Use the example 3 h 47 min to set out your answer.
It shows 4 h 45 min
